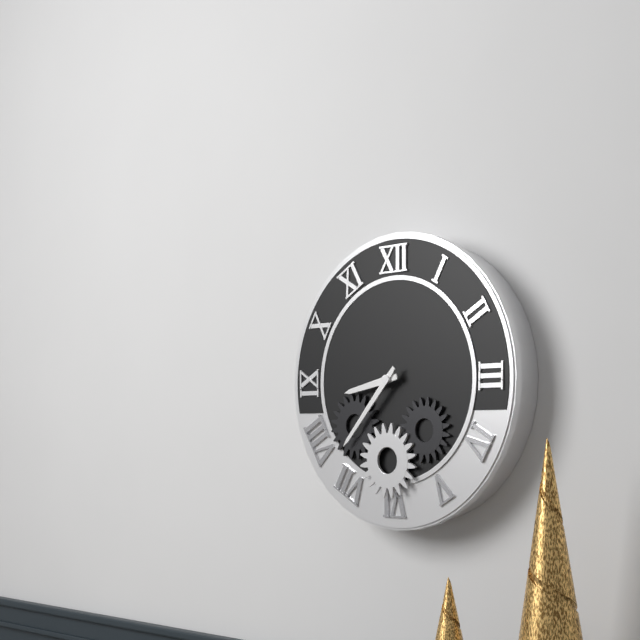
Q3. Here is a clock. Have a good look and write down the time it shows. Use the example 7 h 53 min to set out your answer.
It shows 8 h 37 min
